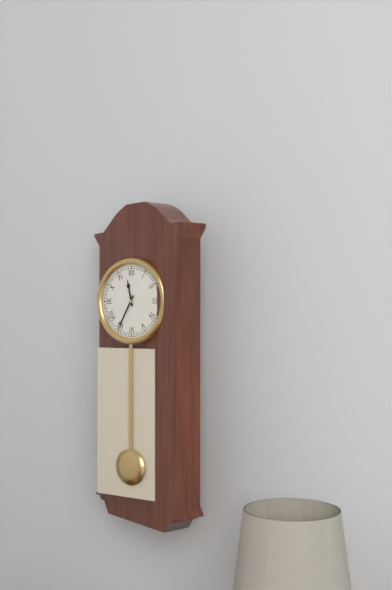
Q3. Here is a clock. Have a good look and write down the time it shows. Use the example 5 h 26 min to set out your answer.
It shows 11 h 35 min
